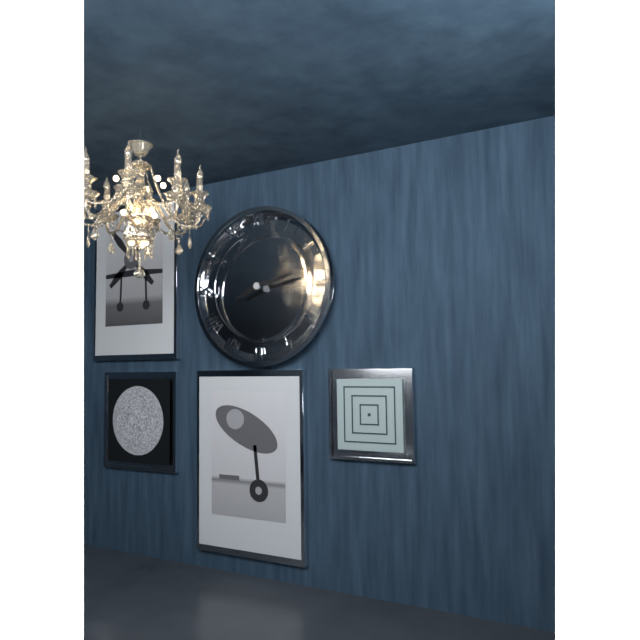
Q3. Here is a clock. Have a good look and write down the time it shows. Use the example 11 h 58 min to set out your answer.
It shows 8 h 13 min
